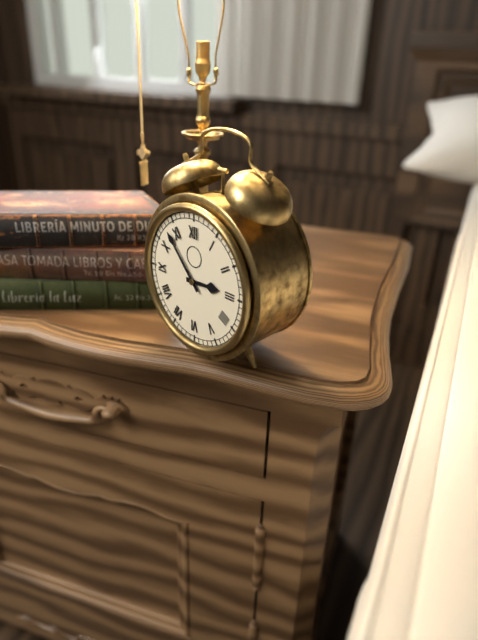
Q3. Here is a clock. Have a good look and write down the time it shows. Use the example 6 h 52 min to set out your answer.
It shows 2 h 53 min
